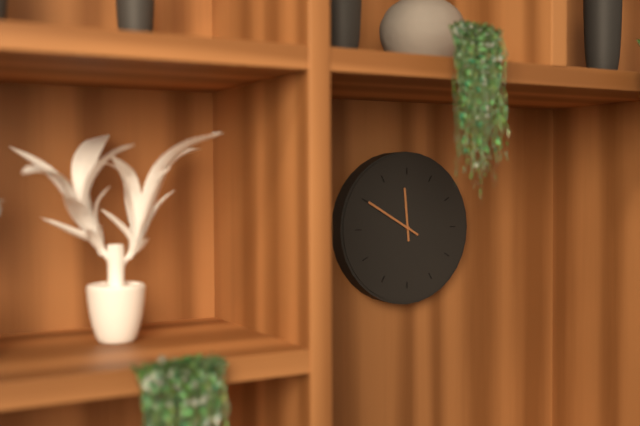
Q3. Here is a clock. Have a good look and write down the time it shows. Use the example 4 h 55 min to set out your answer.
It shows 11 h 50 min
